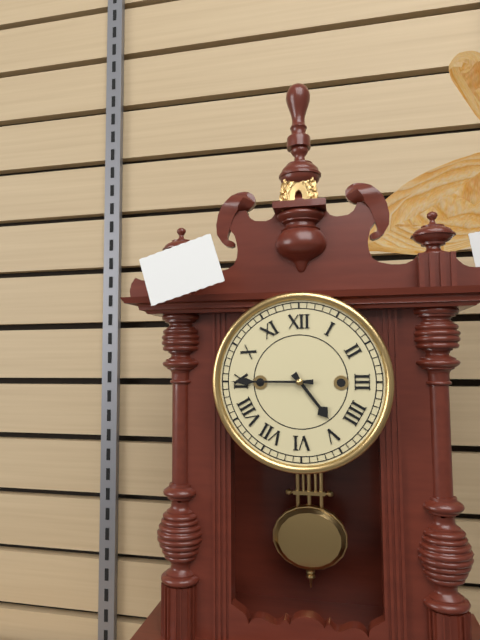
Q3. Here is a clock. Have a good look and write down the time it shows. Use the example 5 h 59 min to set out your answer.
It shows 4 h 45 min
